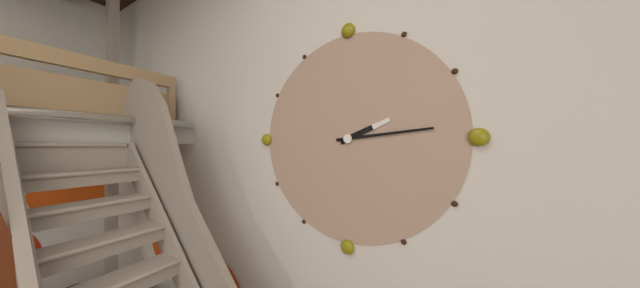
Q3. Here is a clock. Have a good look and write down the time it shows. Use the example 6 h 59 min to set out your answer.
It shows 2 h 14 min
